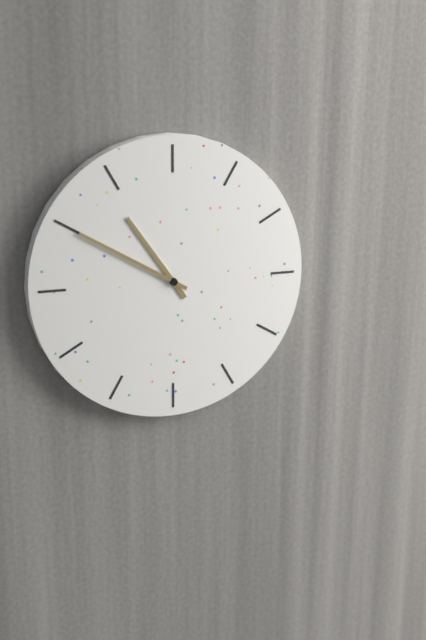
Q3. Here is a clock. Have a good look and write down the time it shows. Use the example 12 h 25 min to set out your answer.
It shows 10 h 50 min
